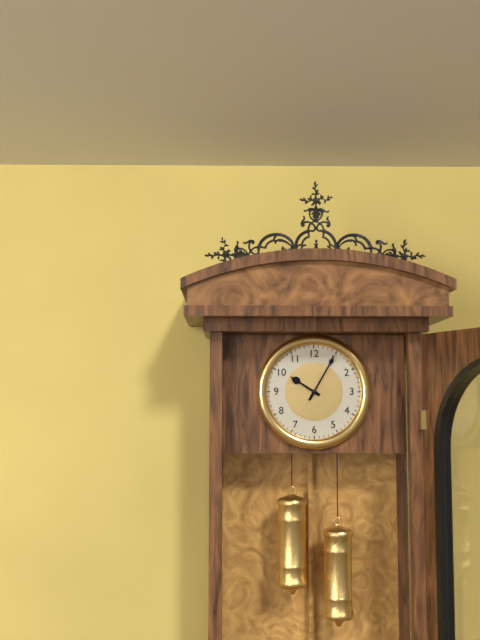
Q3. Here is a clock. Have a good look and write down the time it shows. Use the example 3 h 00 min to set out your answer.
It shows 10 h 05 min
